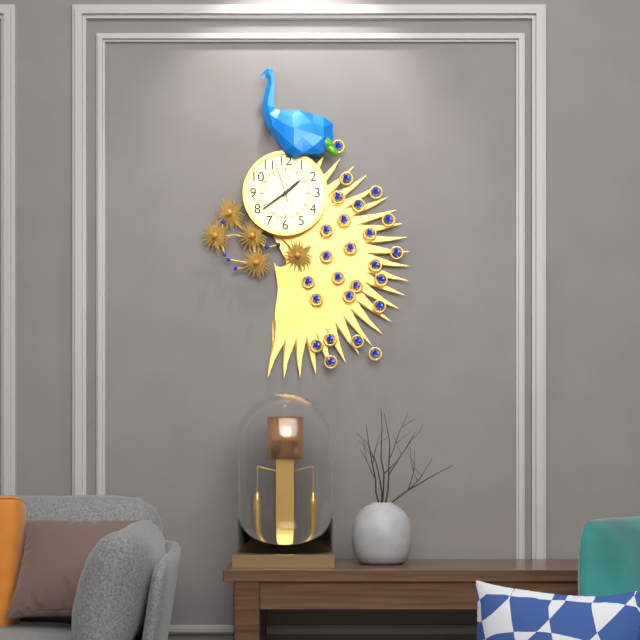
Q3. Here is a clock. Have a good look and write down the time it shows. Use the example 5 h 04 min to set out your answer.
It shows 1 h 39 min
